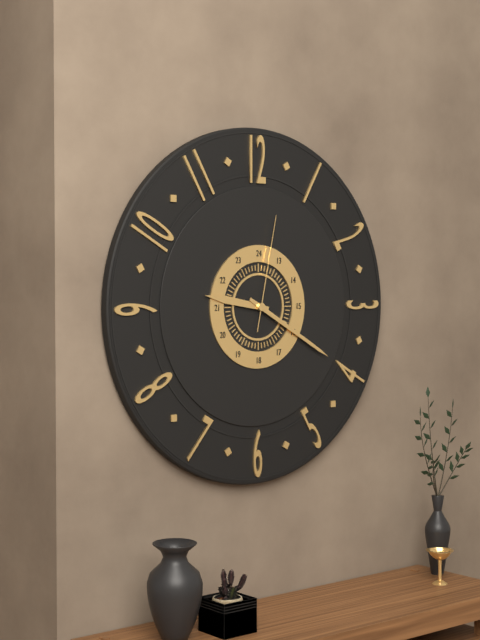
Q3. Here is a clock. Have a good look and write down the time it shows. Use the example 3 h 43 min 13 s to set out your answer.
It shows 9 h 20 min 02 s
